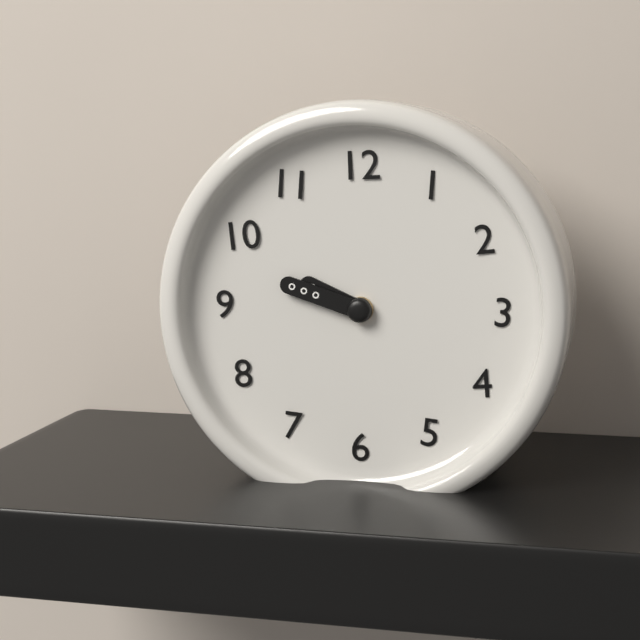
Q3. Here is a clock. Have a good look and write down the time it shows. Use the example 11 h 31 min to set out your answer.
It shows 9 h 48 min
